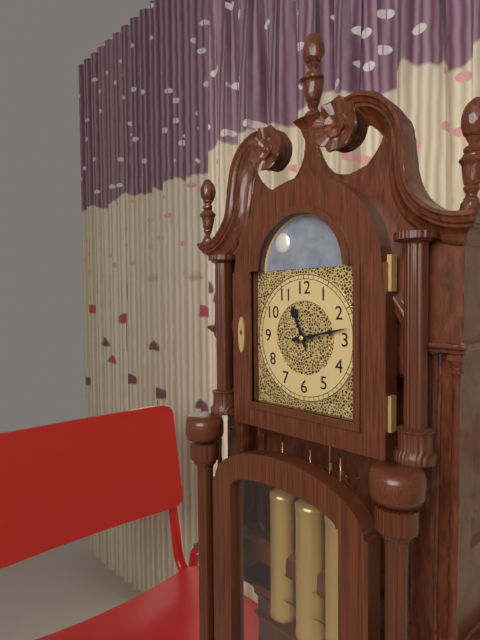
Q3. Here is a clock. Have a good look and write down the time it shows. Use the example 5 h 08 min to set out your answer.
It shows 11 h 13 min
